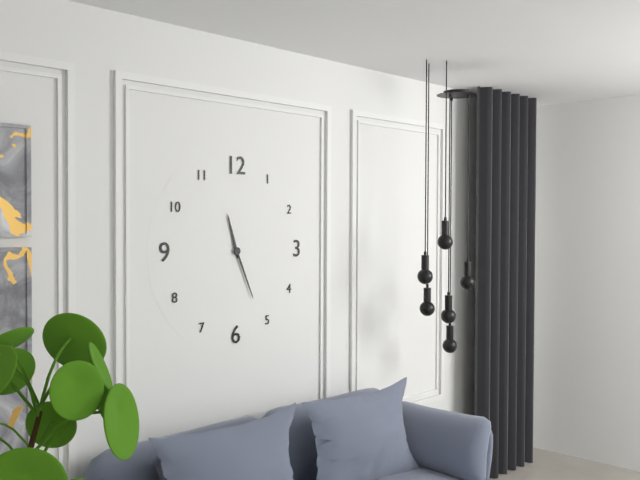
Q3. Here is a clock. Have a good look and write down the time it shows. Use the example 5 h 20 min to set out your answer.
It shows 11 h 26 min
